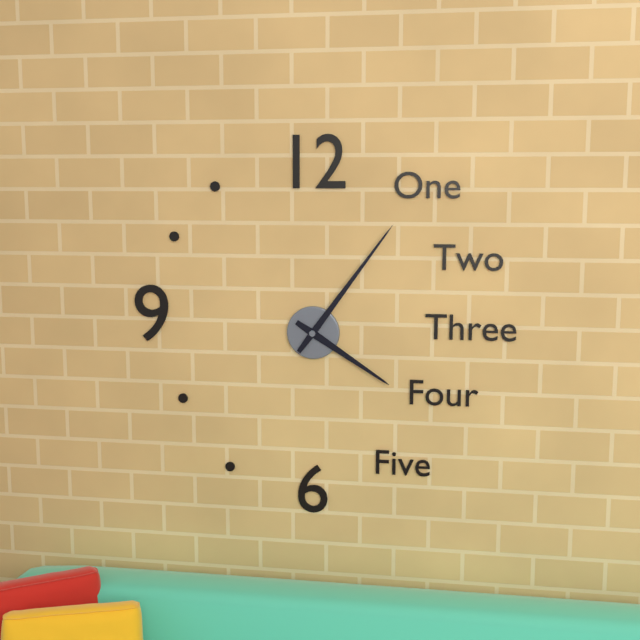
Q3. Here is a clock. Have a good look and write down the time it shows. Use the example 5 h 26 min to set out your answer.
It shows 4 h 06 min
